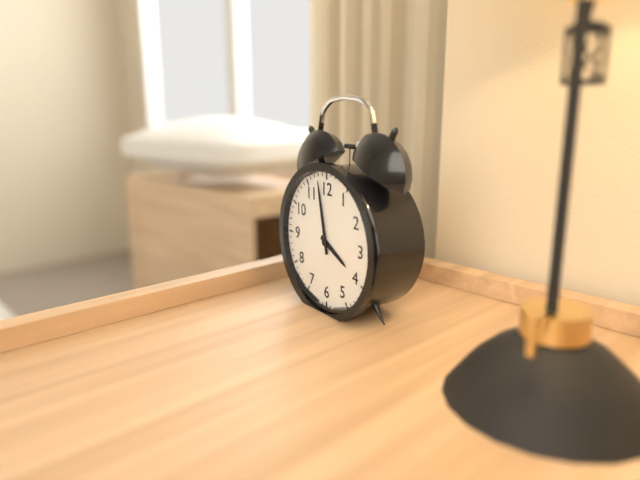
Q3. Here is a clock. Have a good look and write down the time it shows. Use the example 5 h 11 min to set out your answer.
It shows 3 h 58 min
